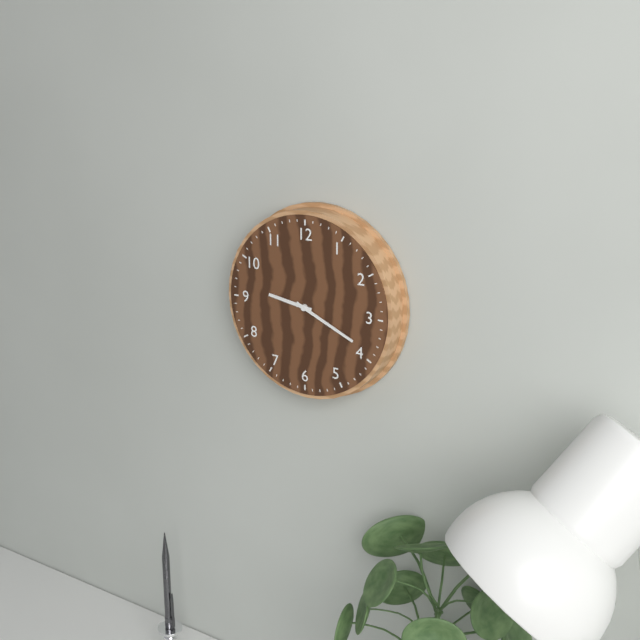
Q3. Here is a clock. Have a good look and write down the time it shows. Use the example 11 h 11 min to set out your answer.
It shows 9 h 19 min
